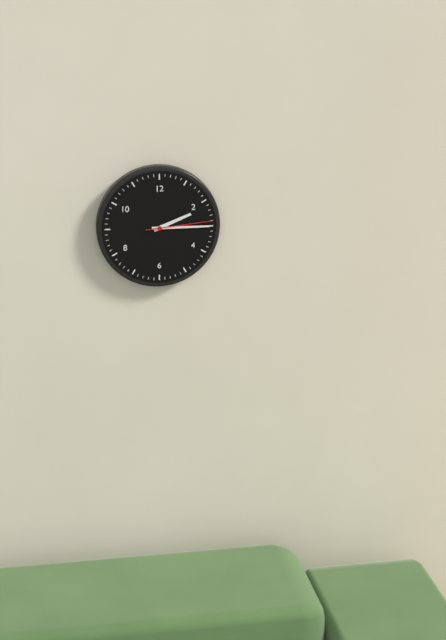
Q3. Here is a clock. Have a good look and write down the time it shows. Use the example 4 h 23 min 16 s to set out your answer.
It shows 2 h 15 min 14 s
